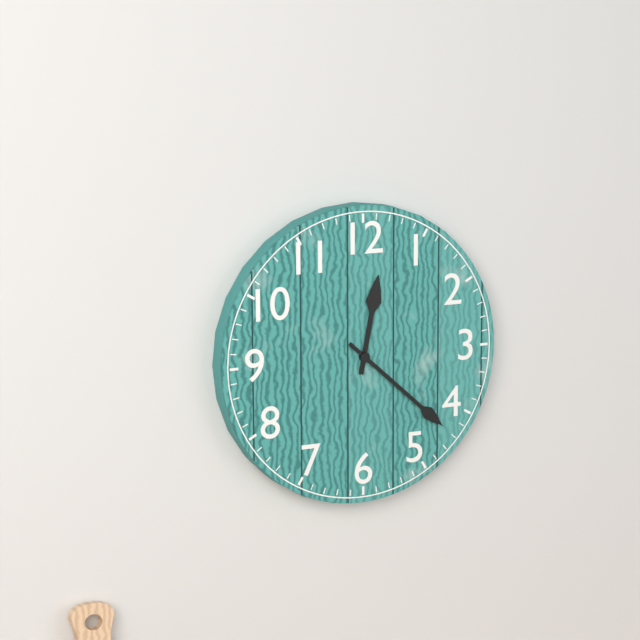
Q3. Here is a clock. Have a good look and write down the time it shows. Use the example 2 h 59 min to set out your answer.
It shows 12 h 22 min
